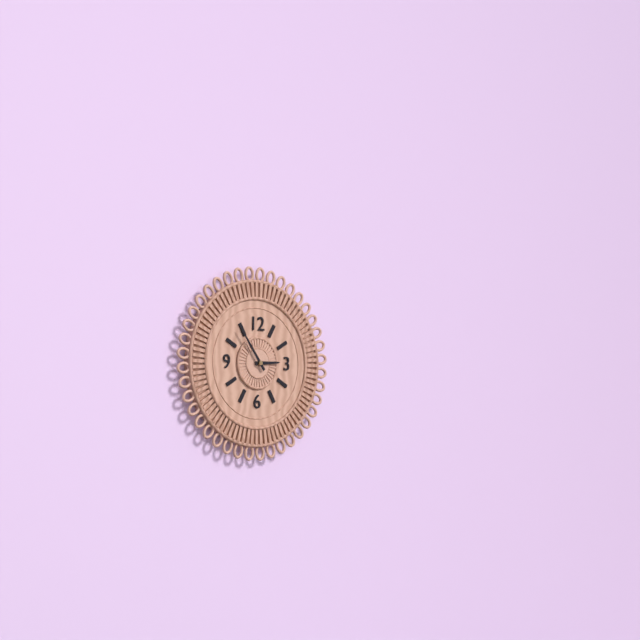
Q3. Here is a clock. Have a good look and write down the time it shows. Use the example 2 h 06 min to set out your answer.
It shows 2 h 54 min
